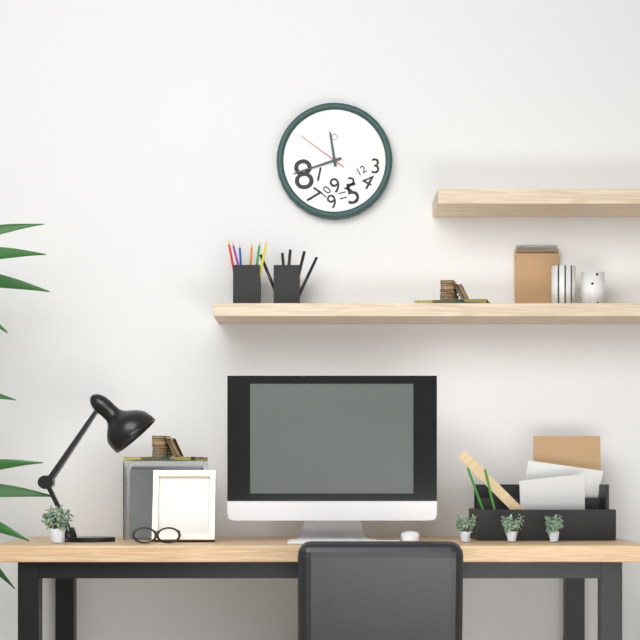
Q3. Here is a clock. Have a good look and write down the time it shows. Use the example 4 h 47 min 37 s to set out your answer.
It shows 11 h 42 min 51 s
